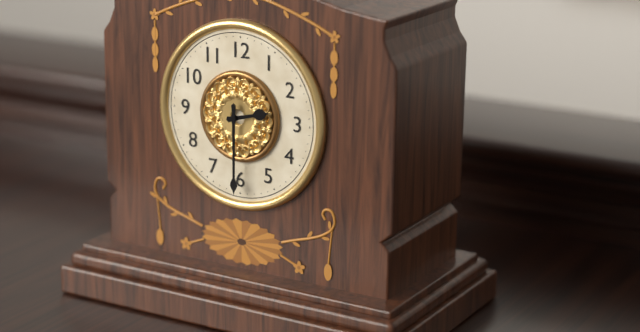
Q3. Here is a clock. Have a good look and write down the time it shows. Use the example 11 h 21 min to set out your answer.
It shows 2 h 30 min
